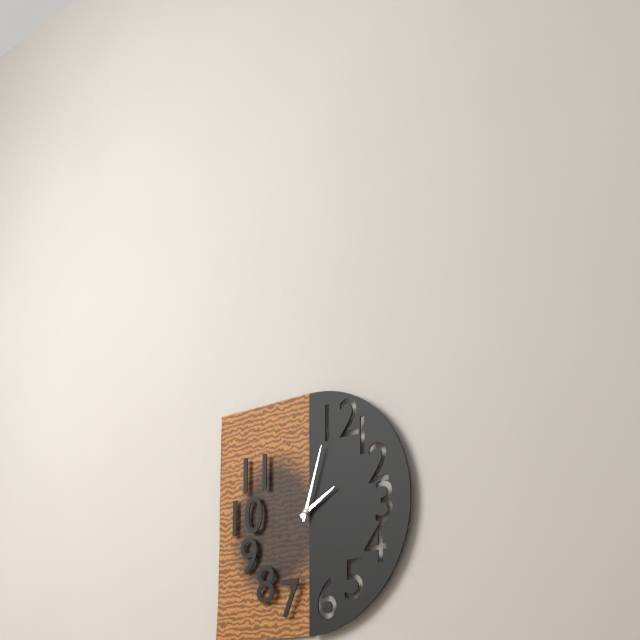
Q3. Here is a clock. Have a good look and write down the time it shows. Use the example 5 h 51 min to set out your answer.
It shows 2 h 03 min
